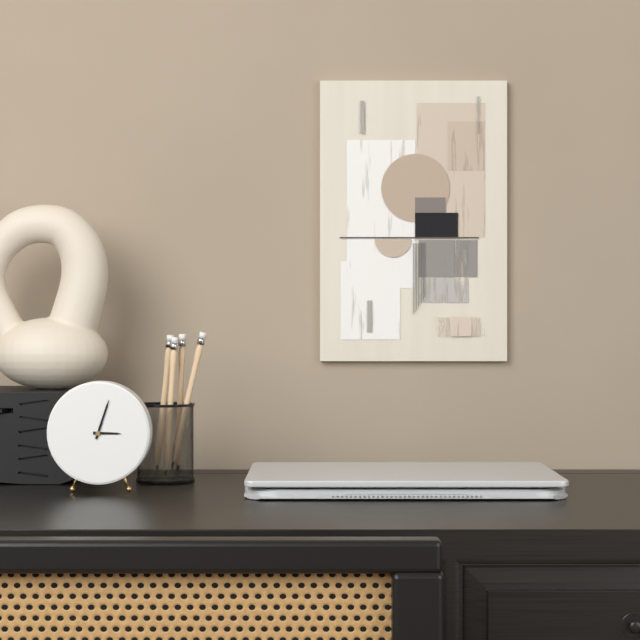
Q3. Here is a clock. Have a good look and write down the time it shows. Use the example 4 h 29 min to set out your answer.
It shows 3 h 03 min
